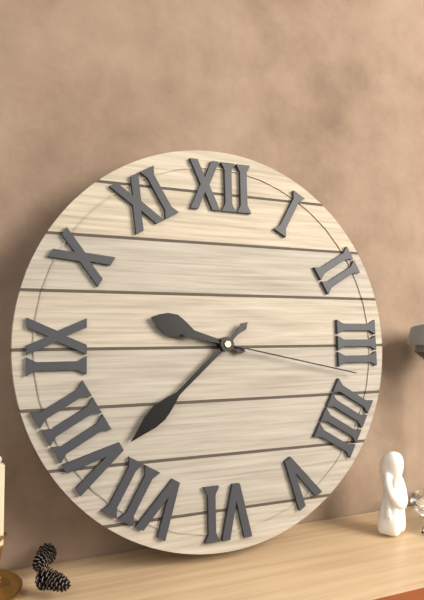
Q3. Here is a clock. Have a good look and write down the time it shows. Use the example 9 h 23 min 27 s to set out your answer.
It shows 9 h 38 min 17 s
